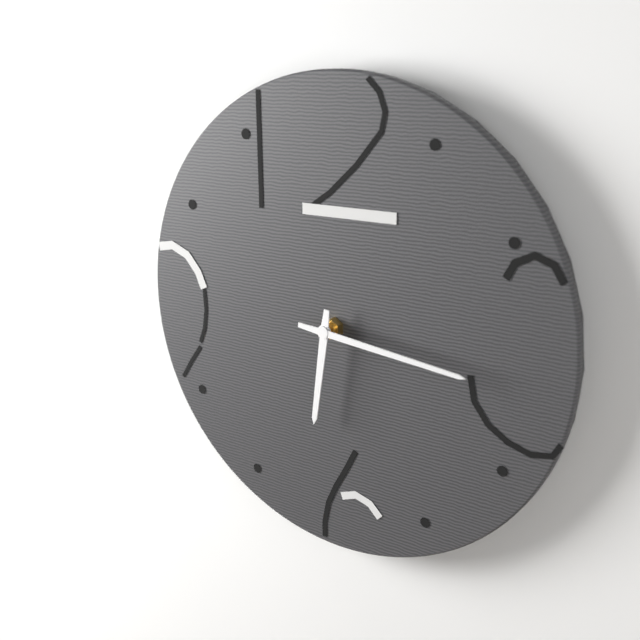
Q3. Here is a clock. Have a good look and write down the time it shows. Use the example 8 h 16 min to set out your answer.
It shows 6 h 16 min
